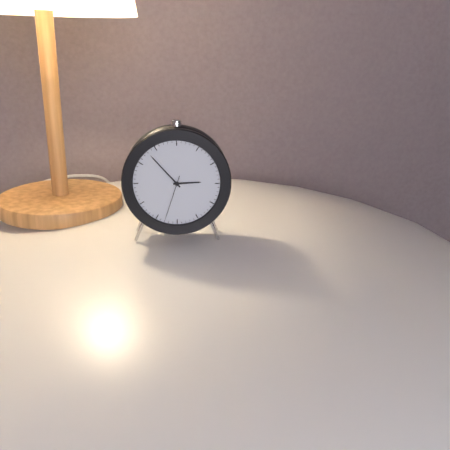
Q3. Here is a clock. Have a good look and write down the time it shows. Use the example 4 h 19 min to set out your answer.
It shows 2 h 53 min
